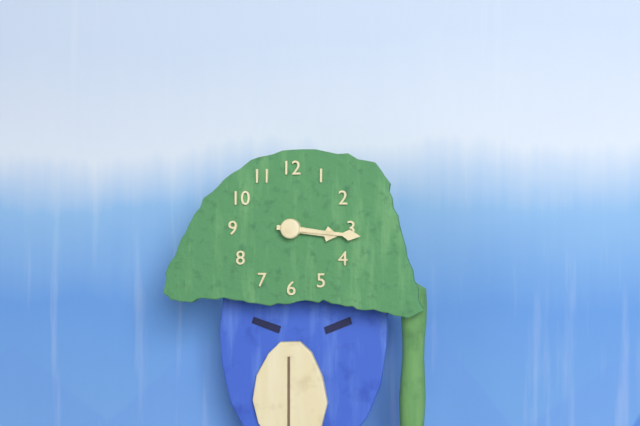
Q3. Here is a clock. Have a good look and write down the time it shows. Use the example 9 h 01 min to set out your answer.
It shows 3 h 16 min
